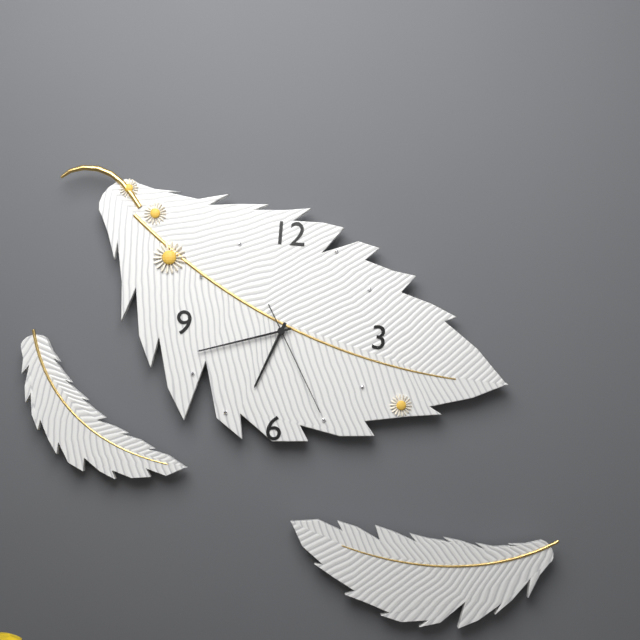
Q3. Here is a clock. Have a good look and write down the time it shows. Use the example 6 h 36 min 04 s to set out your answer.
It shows 6 h 42 min 25 s
